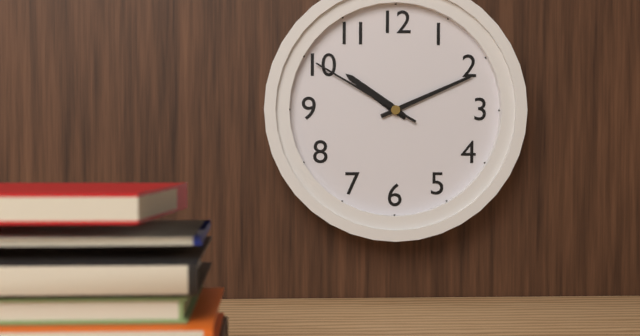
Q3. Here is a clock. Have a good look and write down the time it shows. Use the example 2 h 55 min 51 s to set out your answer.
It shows 10 h 11 min 50 s
